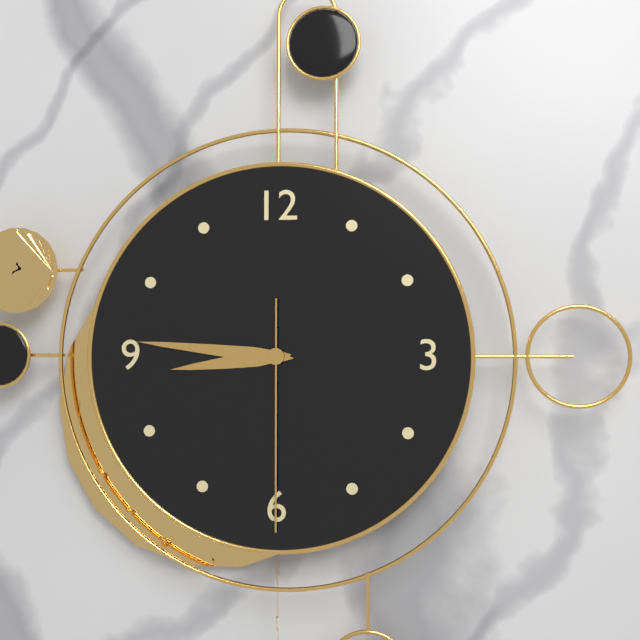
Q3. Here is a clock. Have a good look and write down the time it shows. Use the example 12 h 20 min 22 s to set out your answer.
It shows 8 h 46 min 30 s
